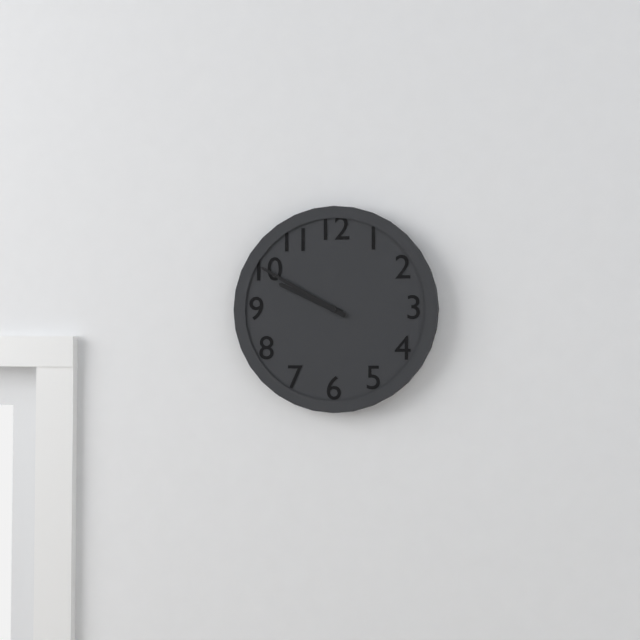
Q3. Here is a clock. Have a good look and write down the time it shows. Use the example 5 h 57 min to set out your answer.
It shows 9 h 50 min
